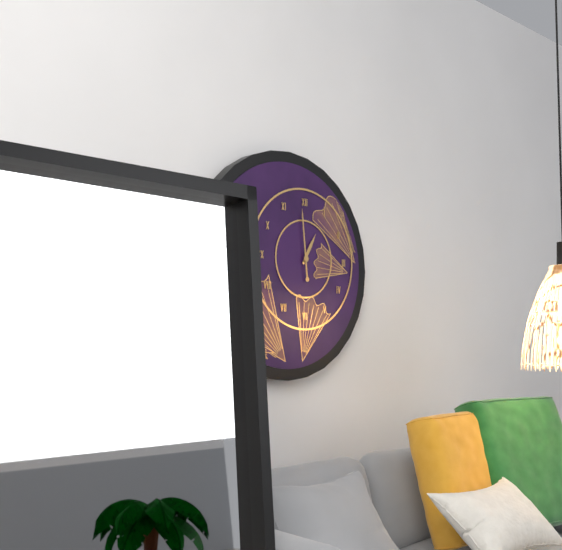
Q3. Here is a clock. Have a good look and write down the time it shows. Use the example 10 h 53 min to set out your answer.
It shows 12 h 59 min
